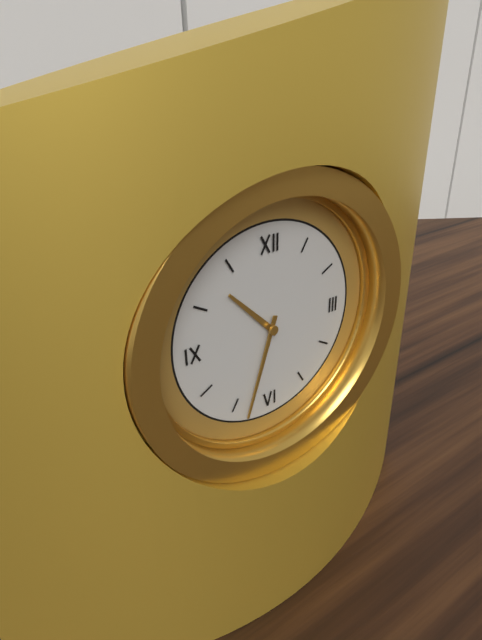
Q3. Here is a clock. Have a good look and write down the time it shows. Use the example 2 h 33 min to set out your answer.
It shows 10 h 33 min
